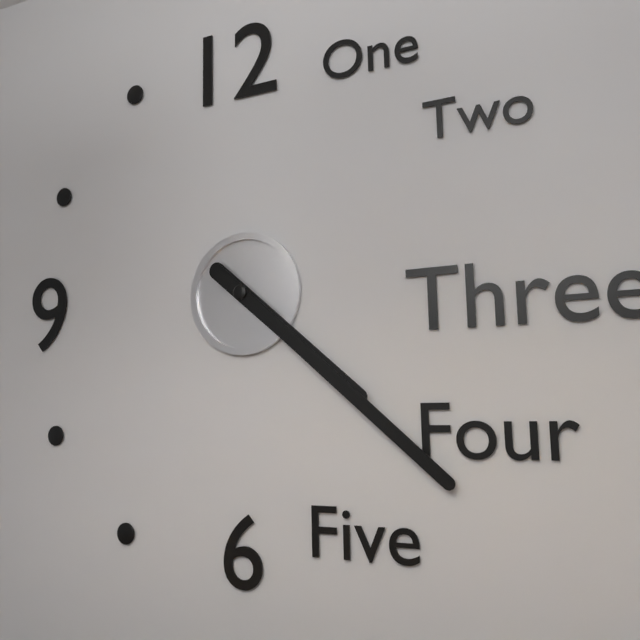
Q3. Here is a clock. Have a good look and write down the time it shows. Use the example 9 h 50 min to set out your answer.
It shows 4 h 22 min
